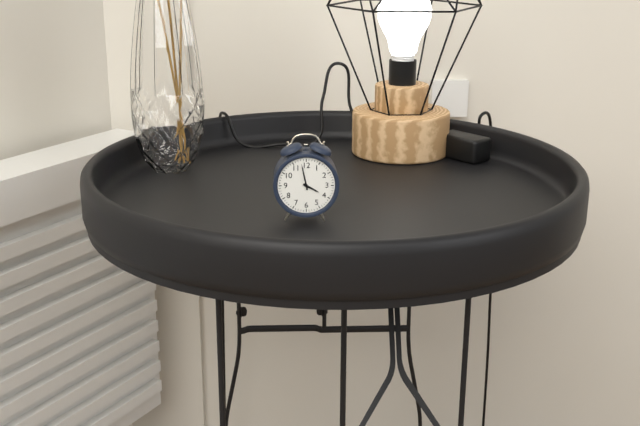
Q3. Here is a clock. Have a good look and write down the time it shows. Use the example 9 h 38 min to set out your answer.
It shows 3 h 58 min
